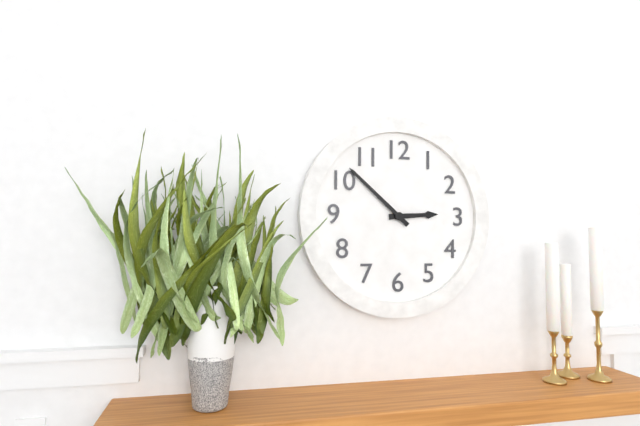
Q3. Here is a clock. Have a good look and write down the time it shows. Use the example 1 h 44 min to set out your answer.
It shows 2 h 52 min
